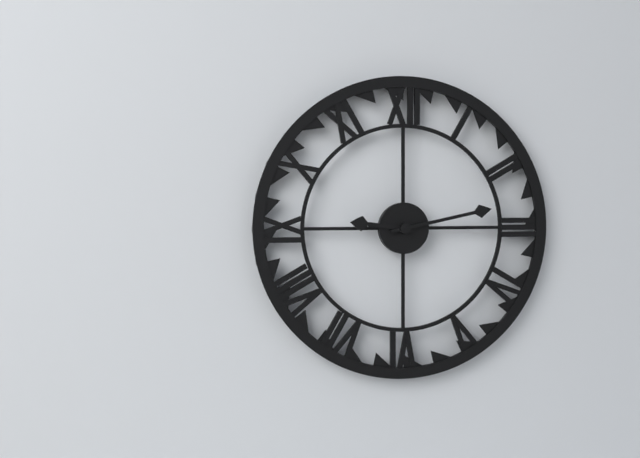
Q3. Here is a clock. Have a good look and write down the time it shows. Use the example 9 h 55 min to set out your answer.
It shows 9 h 13 min
